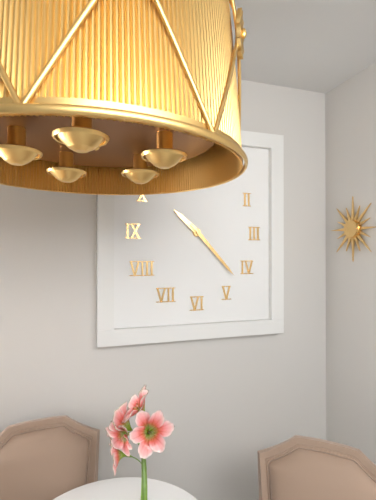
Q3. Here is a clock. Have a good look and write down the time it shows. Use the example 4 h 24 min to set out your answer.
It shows 10 h 23 min
